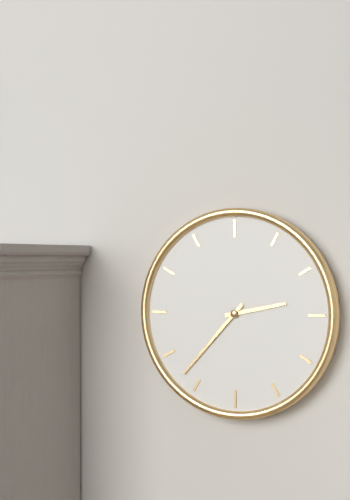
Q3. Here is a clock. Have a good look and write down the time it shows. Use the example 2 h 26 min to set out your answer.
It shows 2 h 37 min
